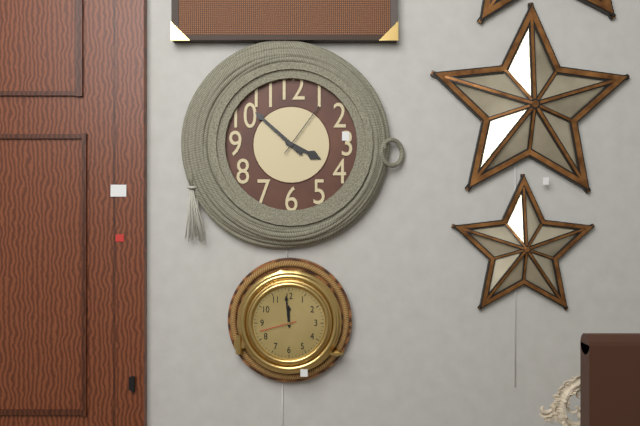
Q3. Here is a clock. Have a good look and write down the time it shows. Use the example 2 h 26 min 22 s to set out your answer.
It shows 3 h 52 min 06 s
